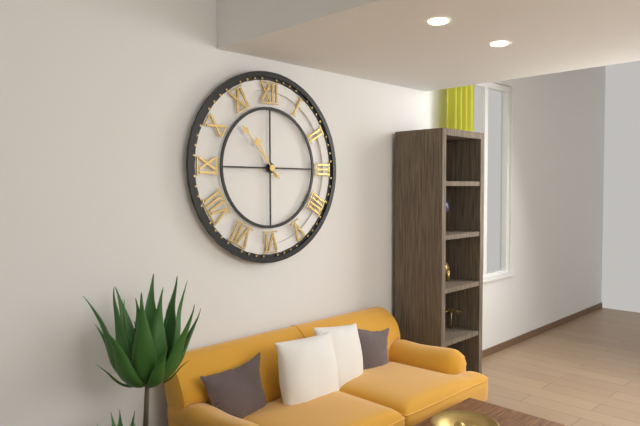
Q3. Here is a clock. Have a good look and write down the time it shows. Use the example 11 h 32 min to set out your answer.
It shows 10 h 53 min
